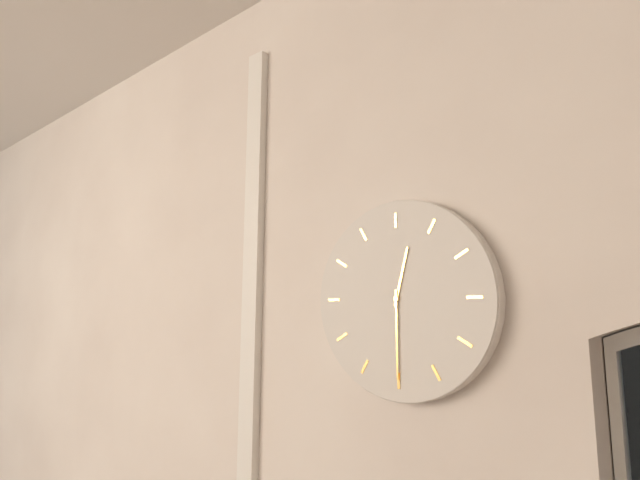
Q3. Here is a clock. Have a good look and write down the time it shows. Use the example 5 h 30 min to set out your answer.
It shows 12 h 30 min
